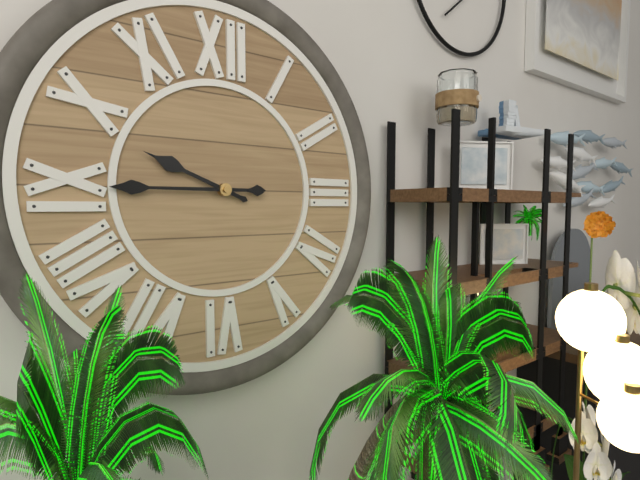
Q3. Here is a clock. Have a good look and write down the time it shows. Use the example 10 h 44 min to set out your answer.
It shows 9 h 45 min
